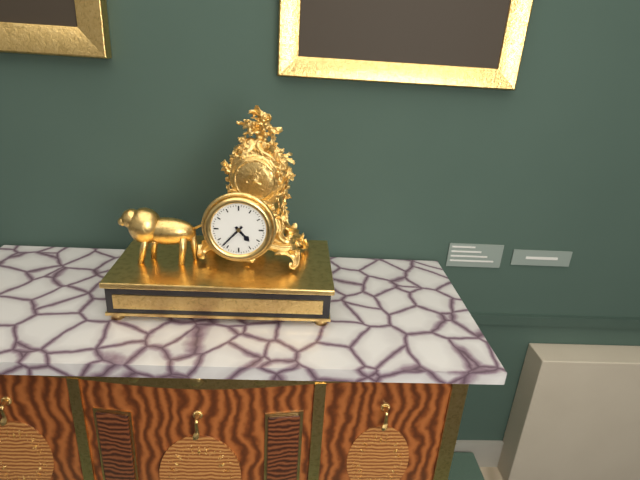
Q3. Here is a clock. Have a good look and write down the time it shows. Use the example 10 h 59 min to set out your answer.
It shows 4 h 37 min
